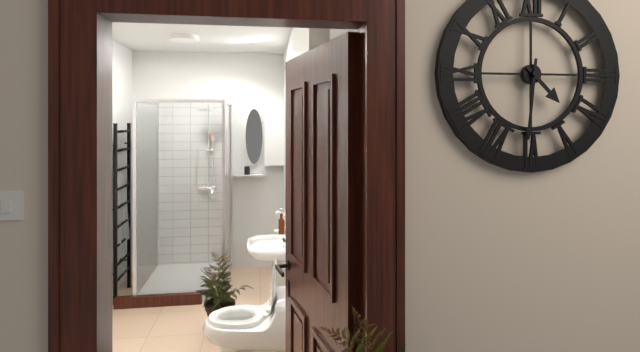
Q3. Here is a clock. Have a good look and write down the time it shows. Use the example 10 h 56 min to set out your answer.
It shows 4 h 31 min
